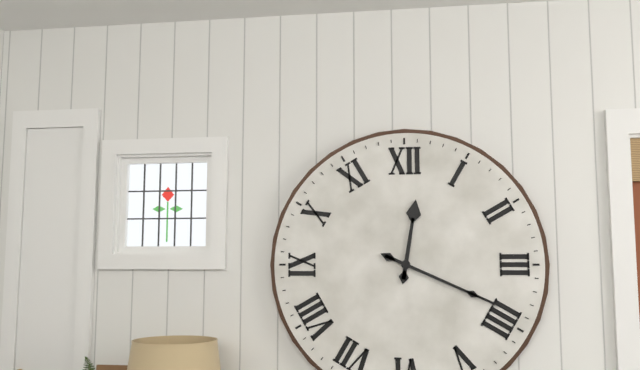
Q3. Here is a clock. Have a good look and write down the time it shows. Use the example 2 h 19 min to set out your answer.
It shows 12 h 19 min
